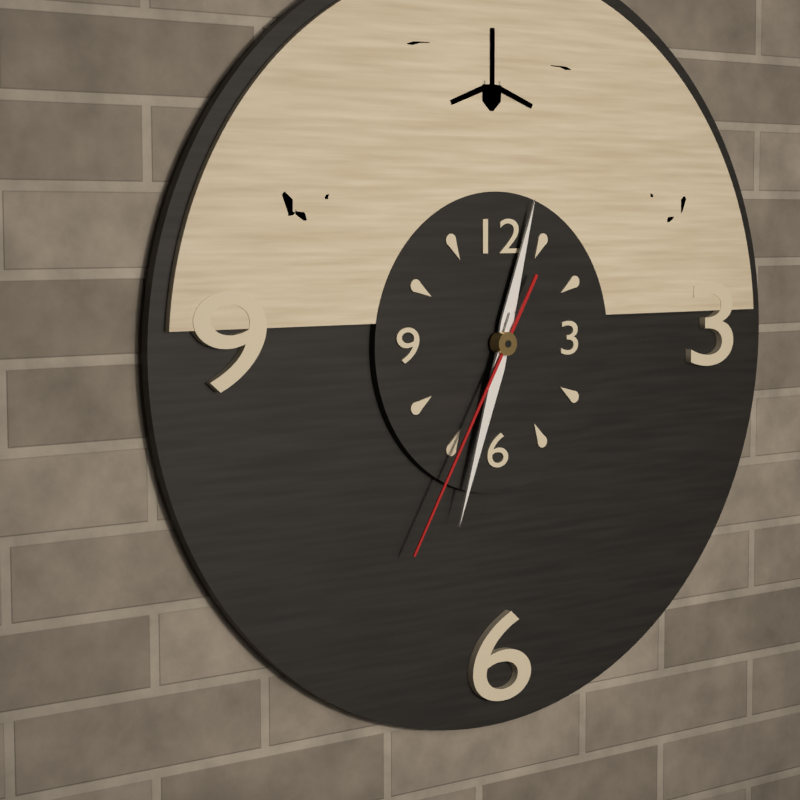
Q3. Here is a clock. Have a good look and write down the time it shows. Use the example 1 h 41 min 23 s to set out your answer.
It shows 12 h 33 min 35 s
